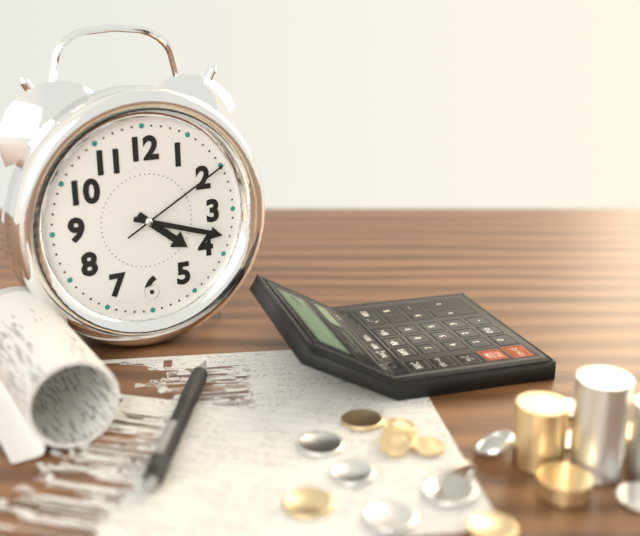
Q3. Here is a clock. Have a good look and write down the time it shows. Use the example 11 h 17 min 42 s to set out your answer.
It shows 4 h 18 min 10 s
